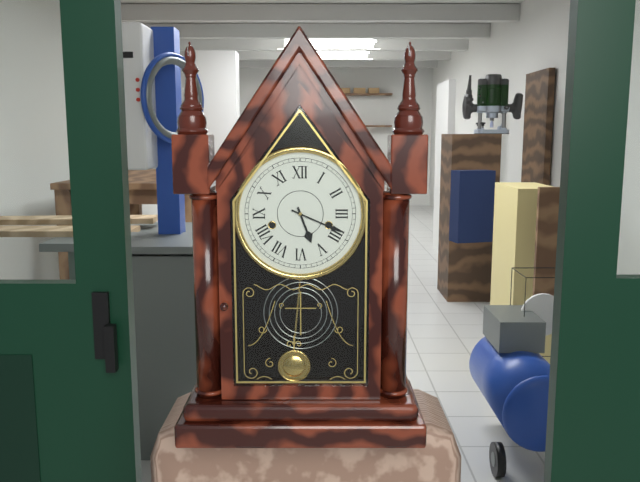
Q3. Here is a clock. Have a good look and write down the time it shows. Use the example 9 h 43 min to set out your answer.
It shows 5 h 19 min
